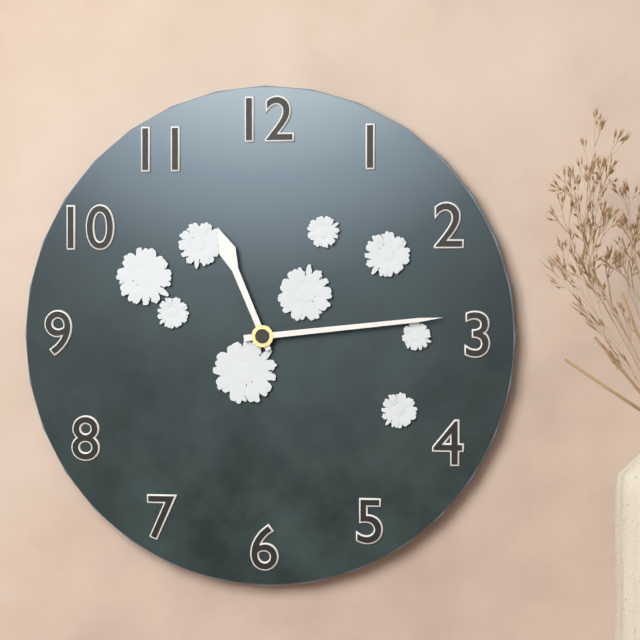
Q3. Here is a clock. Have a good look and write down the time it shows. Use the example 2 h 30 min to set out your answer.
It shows 11 h 14 min
